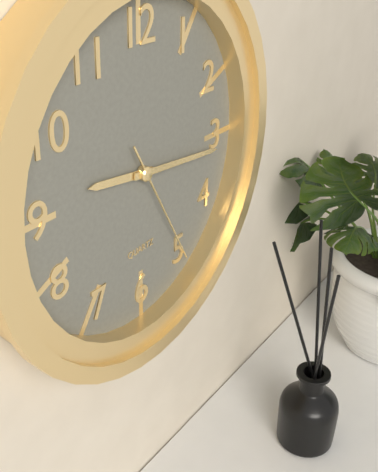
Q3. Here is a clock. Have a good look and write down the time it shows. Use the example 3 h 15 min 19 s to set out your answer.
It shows 9 h 16 min 25 s
